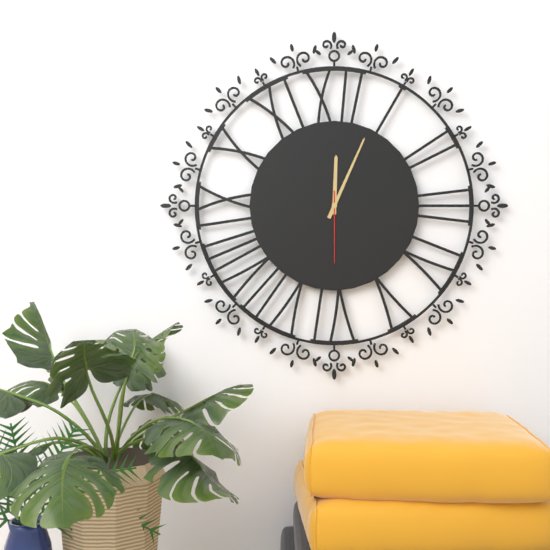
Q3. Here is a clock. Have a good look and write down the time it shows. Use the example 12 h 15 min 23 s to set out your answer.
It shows 12 h 04 min 30 s
